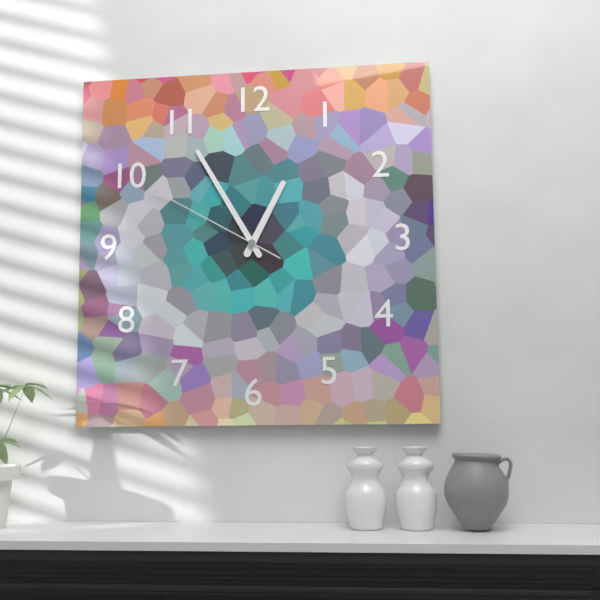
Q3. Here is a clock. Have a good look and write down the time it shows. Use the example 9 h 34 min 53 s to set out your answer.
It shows 12 h 55 min 50 s
